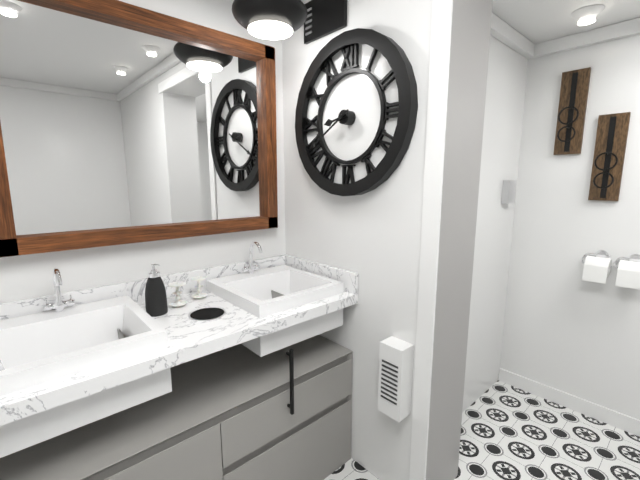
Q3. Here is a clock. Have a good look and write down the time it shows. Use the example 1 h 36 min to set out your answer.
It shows 8 h 40 min
